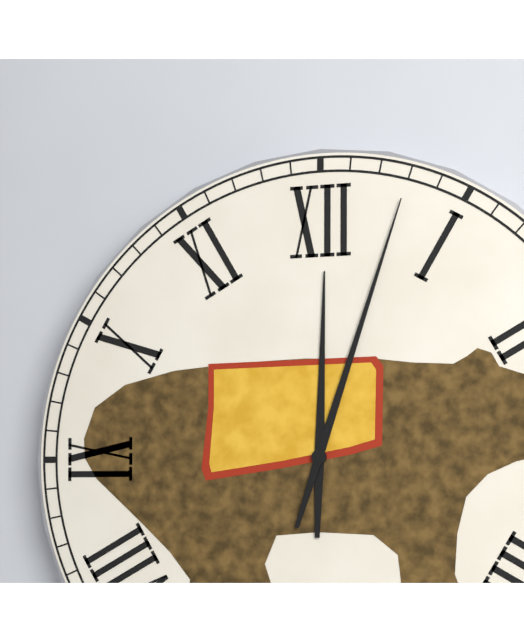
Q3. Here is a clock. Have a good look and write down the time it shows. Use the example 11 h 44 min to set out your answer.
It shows 12 h 03 min
